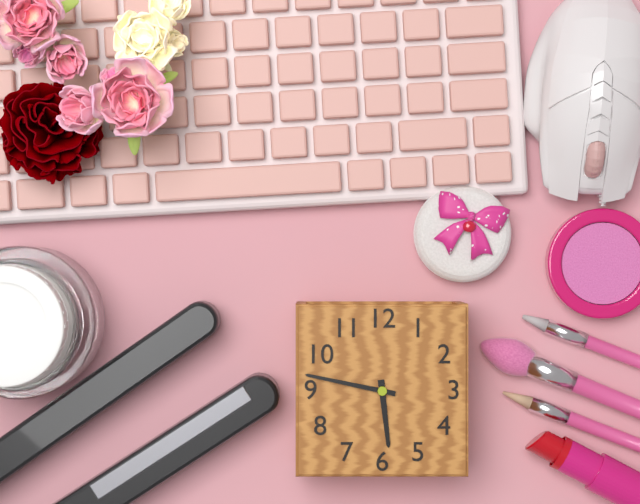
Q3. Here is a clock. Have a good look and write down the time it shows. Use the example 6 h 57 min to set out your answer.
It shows 5 h 47 min
